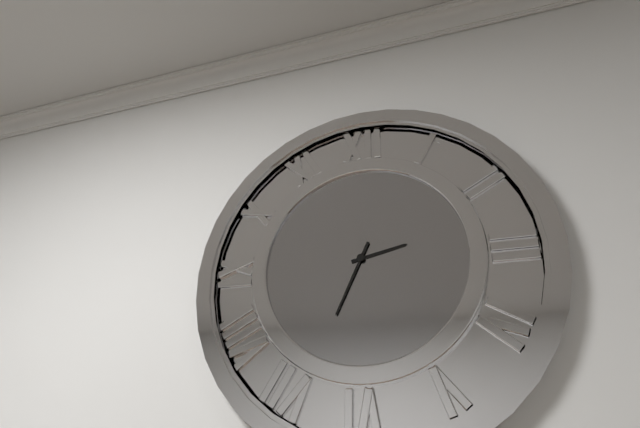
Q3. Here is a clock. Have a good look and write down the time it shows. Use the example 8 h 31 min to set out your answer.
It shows 2 h 34 min
